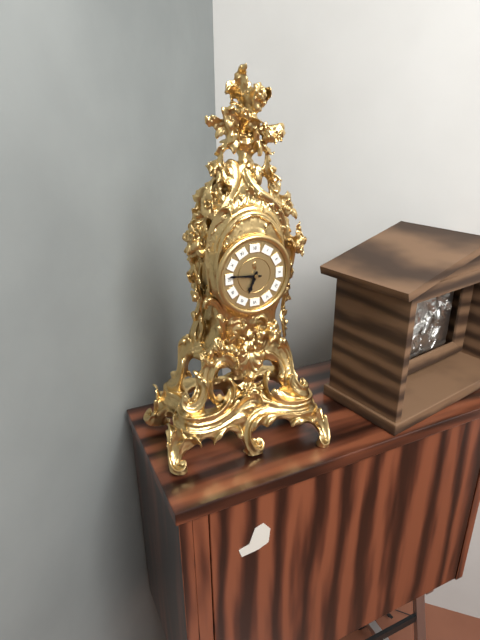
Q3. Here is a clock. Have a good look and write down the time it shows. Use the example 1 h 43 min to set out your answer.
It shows 6 h 46 min
